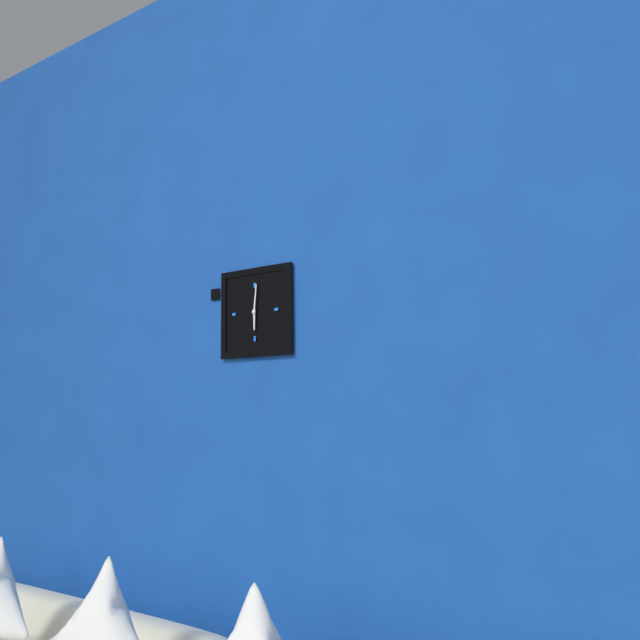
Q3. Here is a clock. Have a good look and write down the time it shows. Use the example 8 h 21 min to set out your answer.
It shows 6 h 01 min
